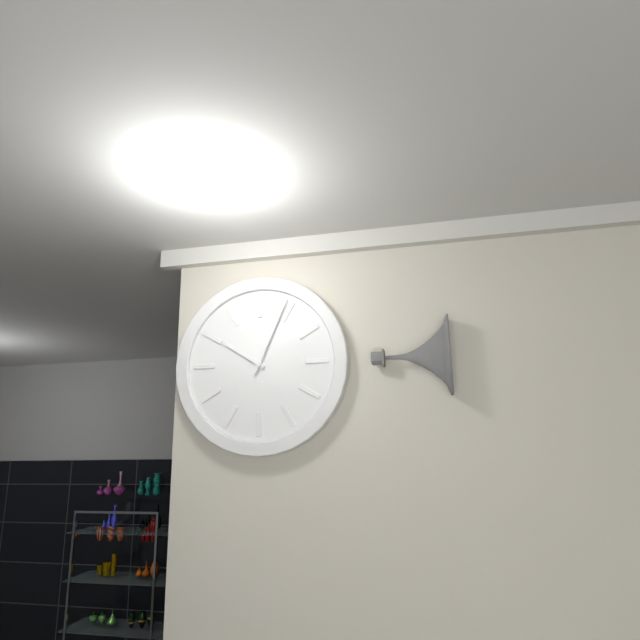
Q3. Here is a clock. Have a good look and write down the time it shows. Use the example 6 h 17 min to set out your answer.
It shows 10 h 04 min
